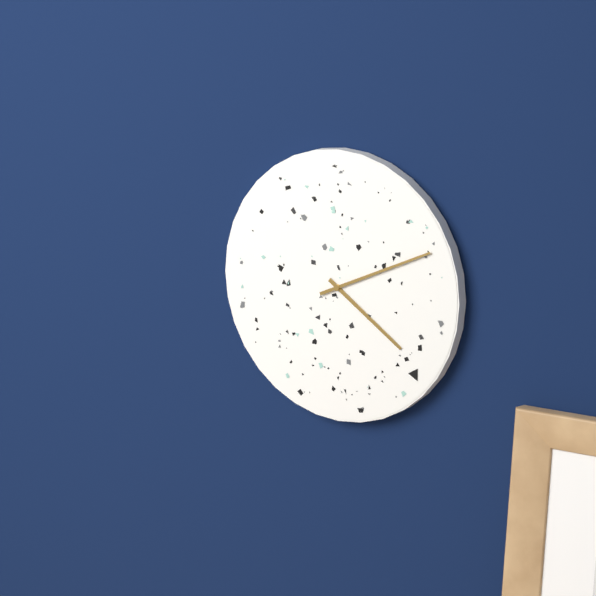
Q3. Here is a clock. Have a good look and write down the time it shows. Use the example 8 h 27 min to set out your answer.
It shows 4 h 11 min
